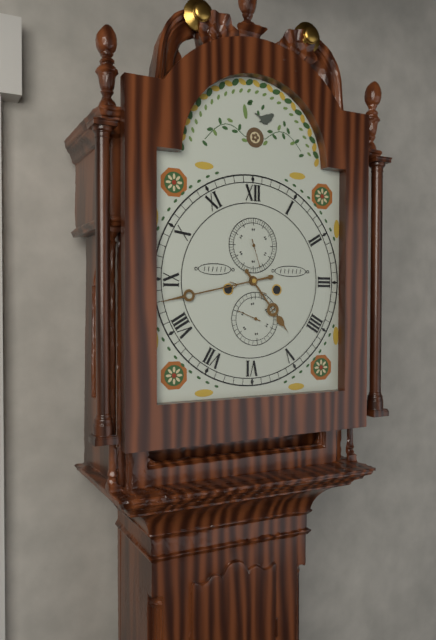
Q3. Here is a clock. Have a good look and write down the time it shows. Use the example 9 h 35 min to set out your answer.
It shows 4 h 43 min
